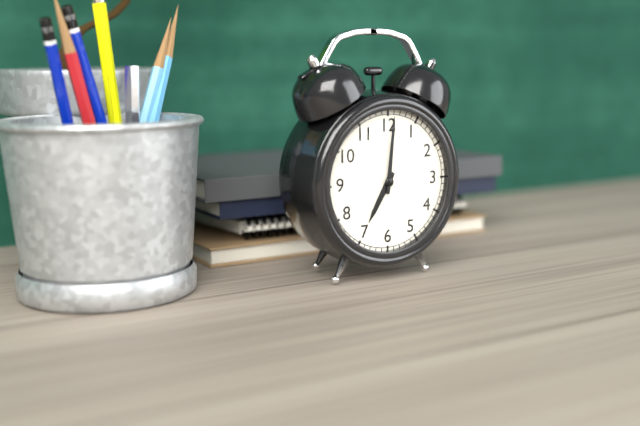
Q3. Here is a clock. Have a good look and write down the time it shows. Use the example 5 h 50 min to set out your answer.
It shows 7 h 01 min
